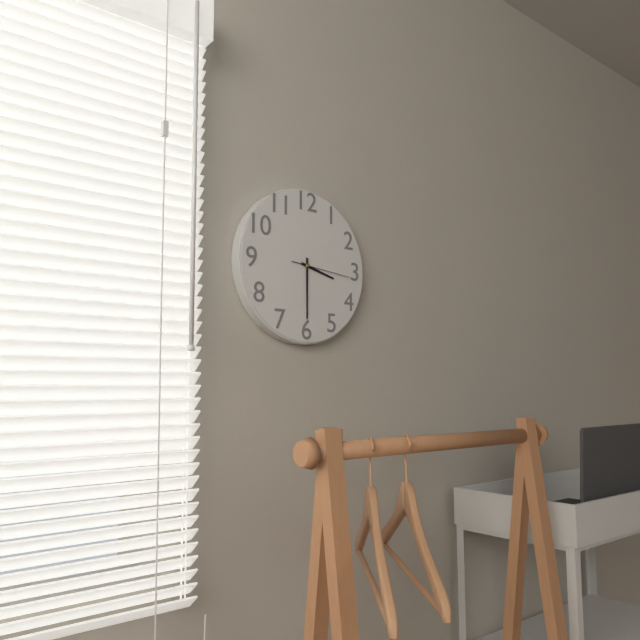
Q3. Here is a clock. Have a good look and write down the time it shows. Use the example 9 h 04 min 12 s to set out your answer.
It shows 3 h 30 min 16 s
